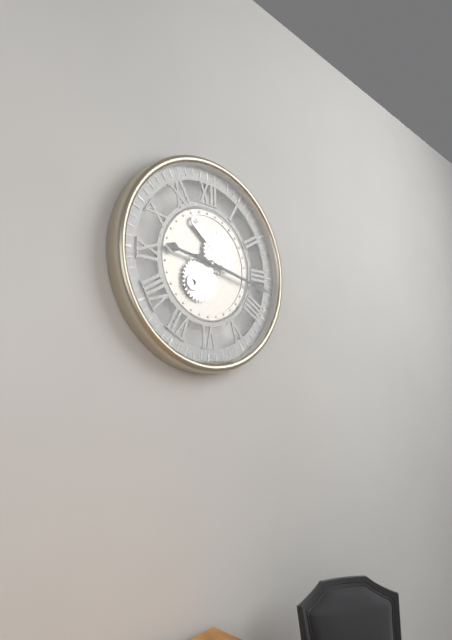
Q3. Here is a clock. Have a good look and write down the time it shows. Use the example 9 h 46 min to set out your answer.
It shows 9 h 17 min
